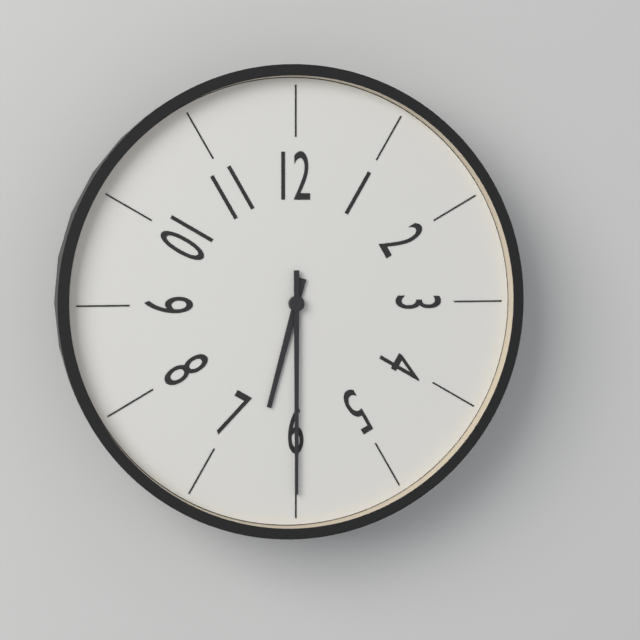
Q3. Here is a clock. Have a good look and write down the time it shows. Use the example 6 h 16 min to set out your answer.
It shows 6 h 30 min
